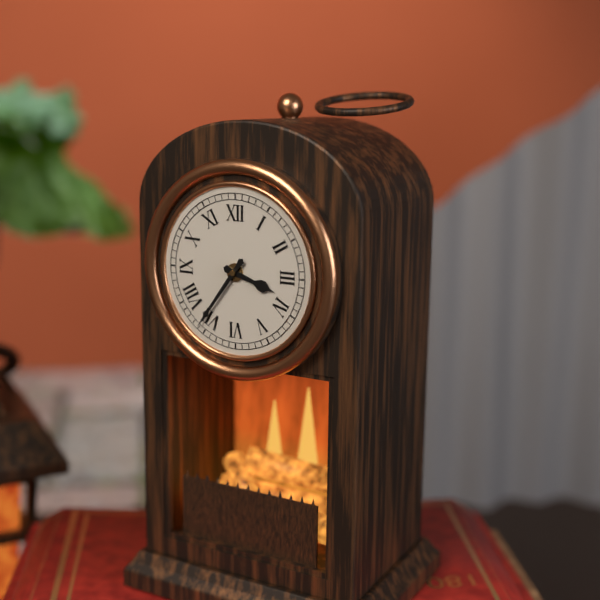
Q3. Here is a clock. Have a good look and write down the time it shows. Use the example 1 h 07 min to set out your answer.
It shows 3 h 36 min
